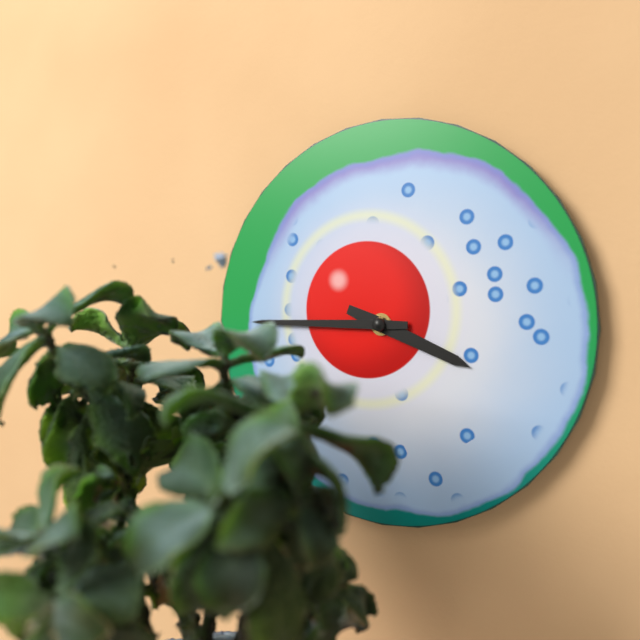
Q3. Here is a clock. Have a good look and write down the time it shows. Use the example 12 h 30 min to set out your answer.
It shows 3 h 45 min
